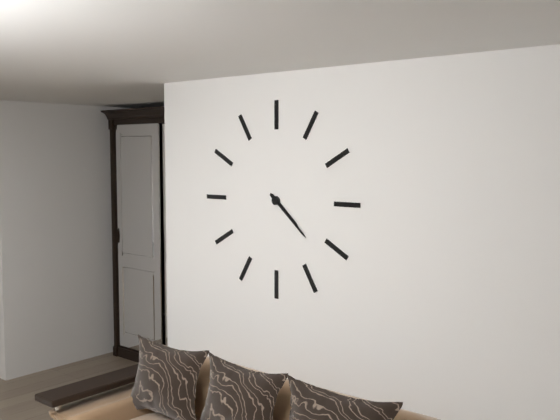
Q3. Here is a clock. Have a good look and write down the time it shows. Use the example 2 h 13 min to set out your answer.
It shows 4 h 22 min
